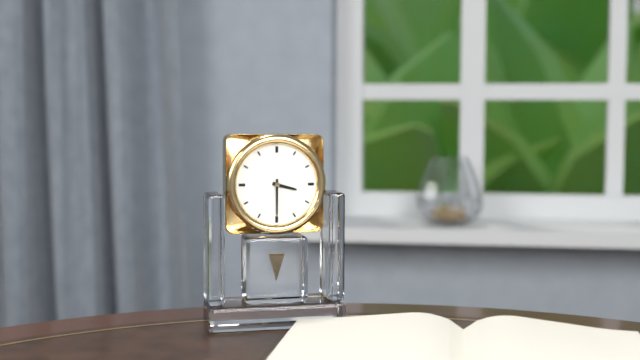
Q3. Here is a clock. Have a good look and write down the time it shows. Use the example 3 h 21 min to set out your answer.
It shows 3 h 30 min
